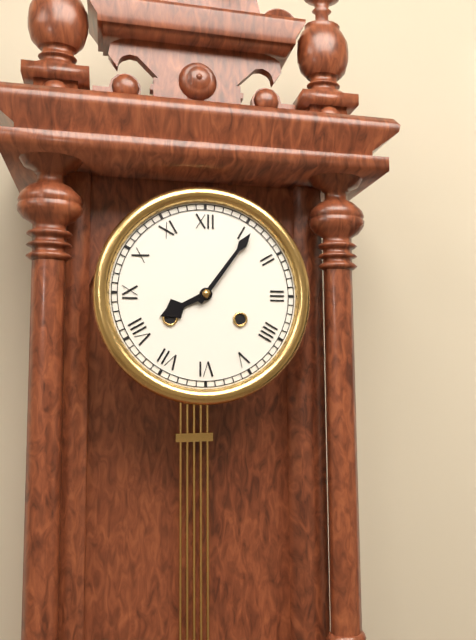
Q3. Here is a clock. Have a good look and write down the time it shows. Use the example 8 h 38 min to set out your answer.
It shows 8 h 06 min
